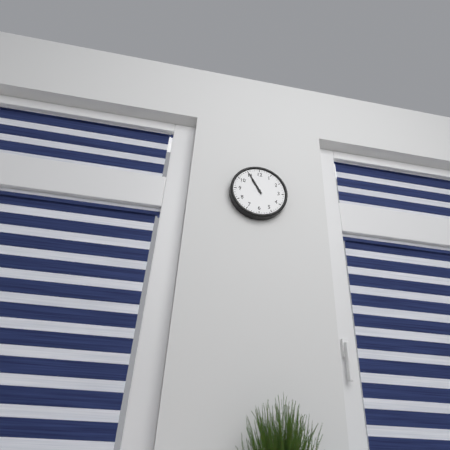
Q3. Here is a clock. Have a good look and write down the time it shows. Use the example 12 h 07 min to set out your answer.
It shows 10 h 55 min
